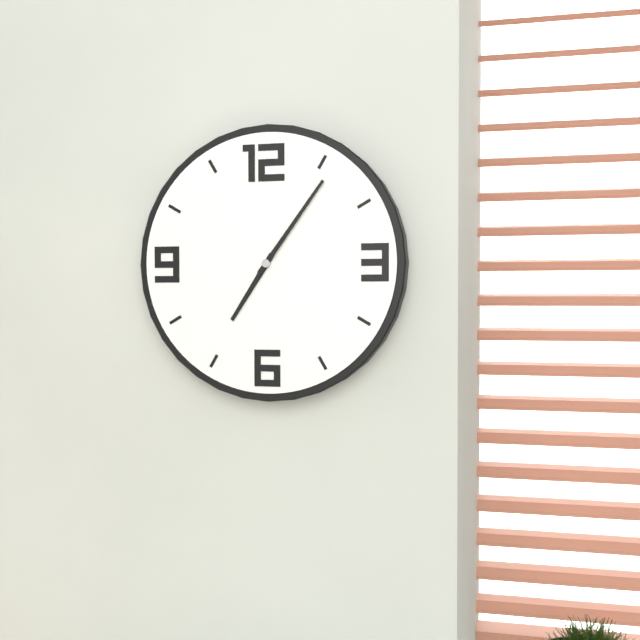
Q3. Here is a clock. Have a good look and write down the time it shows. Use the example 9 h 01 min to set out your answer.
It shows 7 h 06 min
